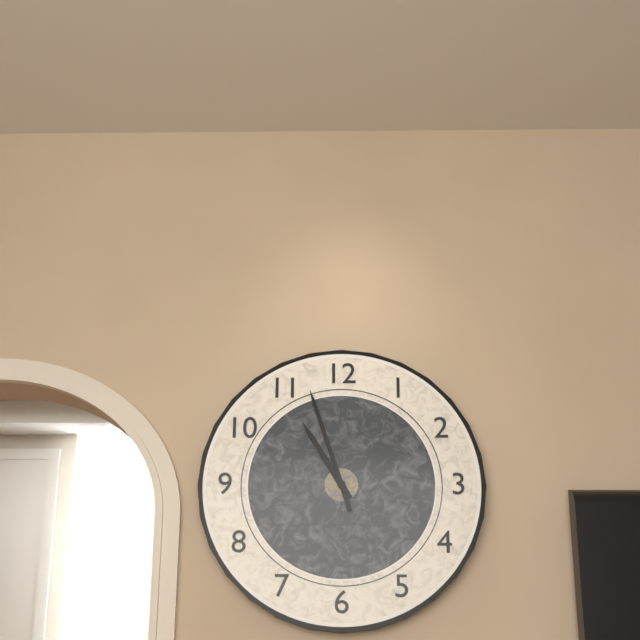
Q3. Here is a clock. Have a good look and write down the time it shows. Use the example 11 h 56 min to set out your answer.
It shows 10 h 57 min
